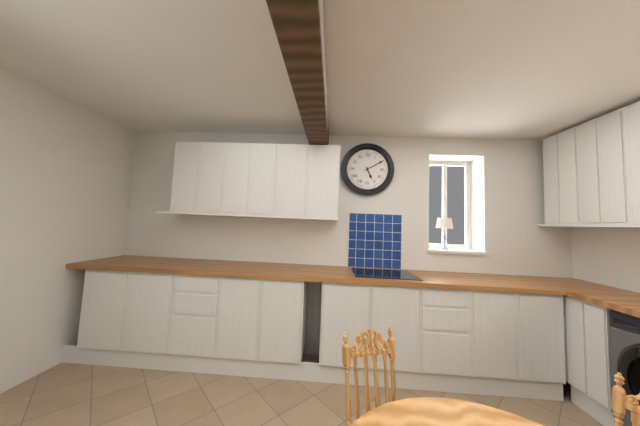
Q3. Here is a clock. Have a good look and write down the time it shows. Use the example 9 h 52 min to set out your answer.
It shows 5 h 10 min
